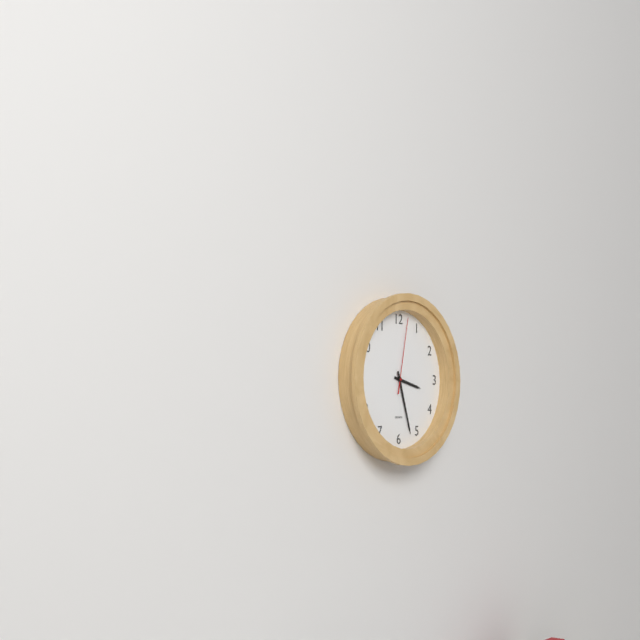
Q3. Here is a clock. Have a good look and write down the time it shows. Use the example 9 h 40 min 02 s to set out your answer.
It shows 3 h 27 min 02 s
